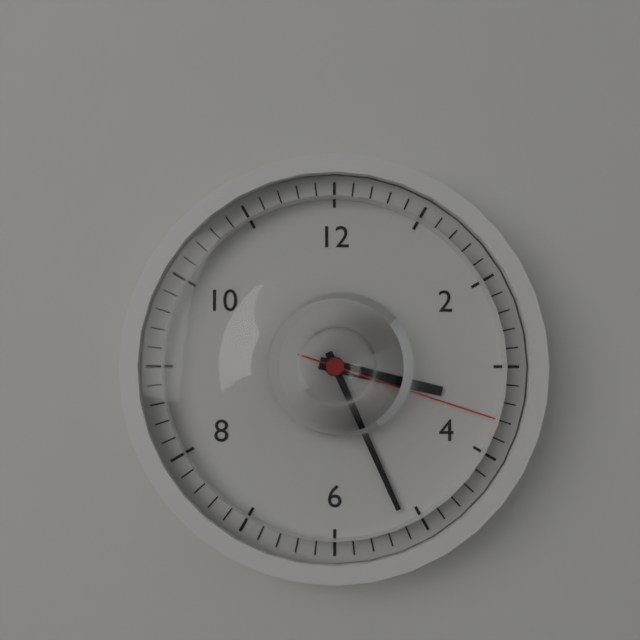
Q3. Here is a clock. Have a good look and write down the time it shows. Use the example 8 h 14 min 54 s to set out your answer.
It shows 3 h 26 min 18 s
